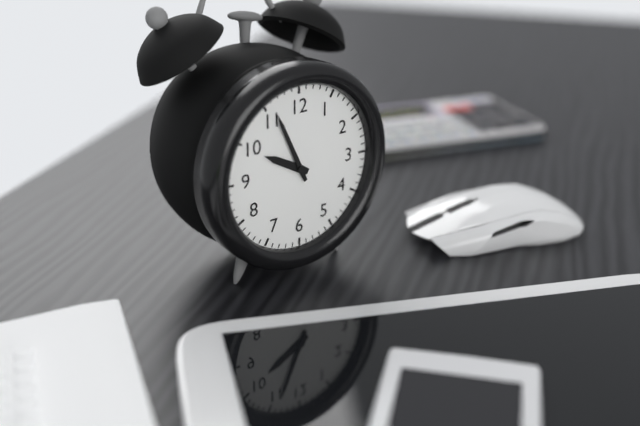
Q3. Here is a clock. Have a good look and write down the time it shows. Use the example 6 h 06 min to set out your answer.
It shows 9 h 56 min
